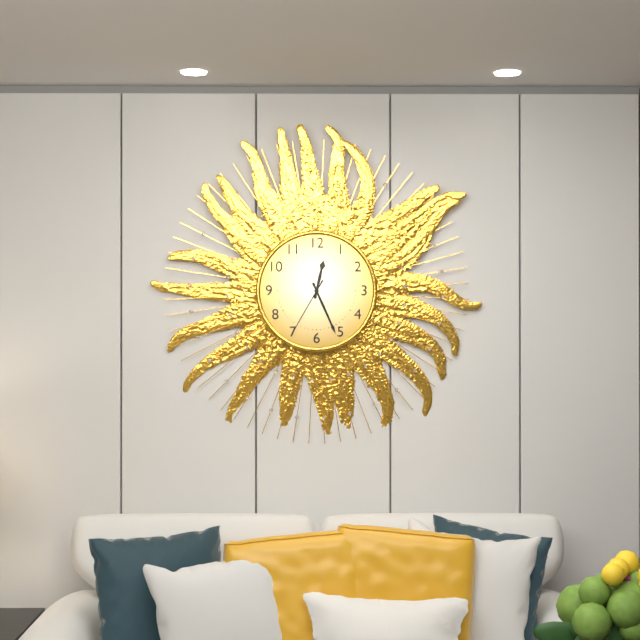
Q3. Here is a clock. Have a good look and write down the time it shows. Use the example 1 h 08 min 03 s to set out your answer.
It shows 12 h 26 min 35 s
